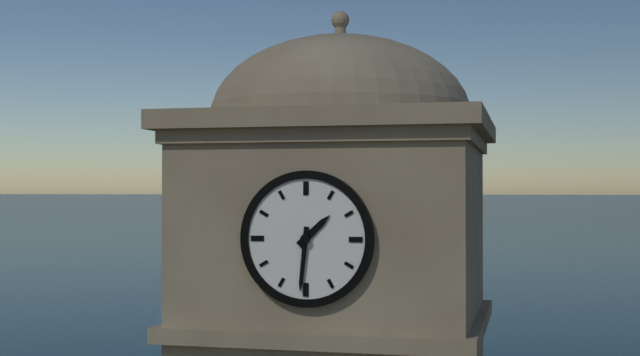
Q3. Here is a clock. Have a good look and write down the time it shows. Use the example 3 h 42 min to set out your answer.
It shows 1 h 31 min
